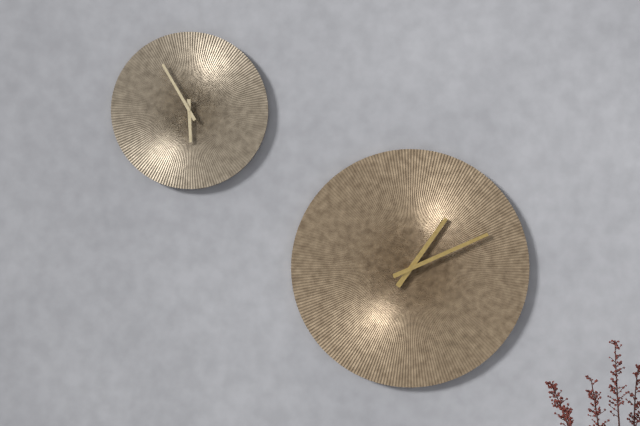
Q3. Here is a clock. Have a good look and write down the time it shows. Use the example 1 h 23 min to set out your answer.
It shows 1 h 11 min
